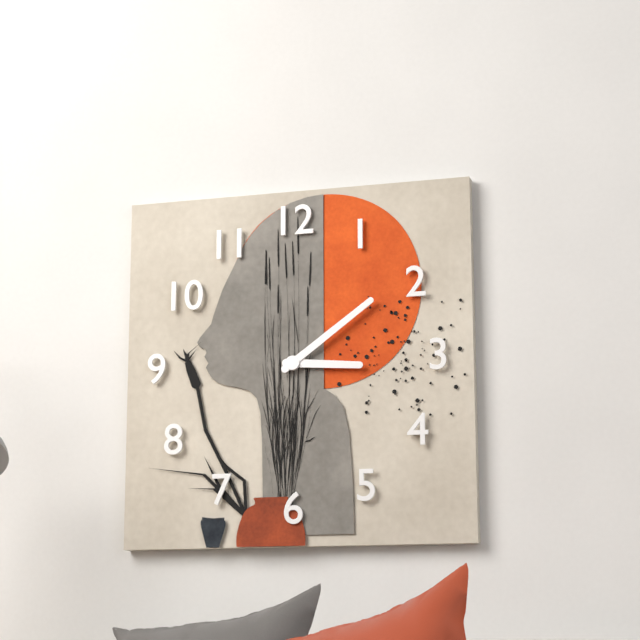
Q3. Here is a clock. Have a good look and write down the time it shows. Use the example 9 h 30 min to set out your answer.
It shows 3 h 09 min
